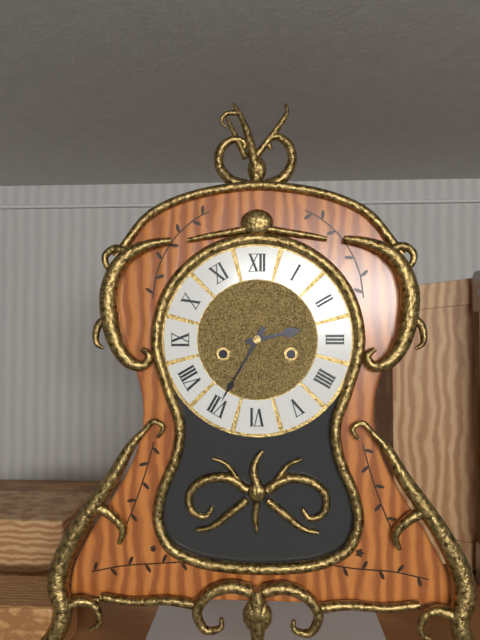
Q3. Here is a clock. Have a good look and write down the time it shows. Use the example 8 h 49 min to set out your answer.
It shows 2 h 35 min
